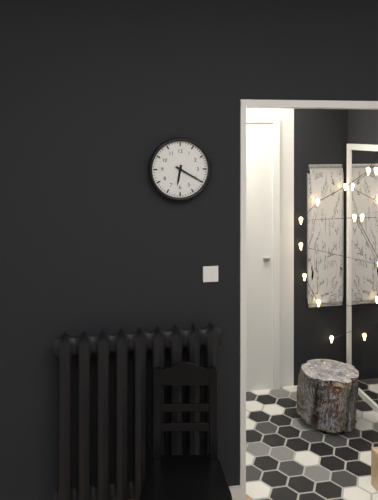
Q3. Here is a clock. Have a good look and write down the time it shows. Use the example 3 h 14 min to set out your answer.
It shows 6 h 20 min
